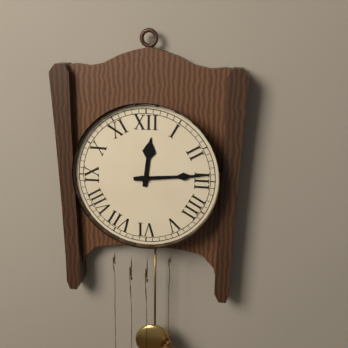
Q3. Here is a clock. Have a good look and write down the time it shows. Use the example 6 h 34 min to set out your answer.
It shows 12 h 14 min
